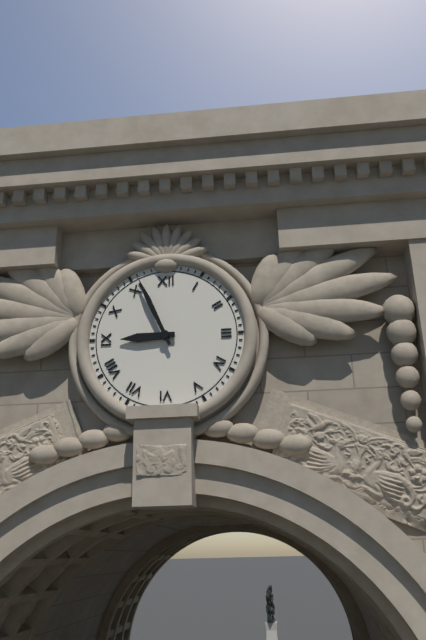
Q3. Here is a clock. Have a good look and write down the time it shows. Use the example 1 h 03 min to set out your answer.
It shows 8 h 56 min
